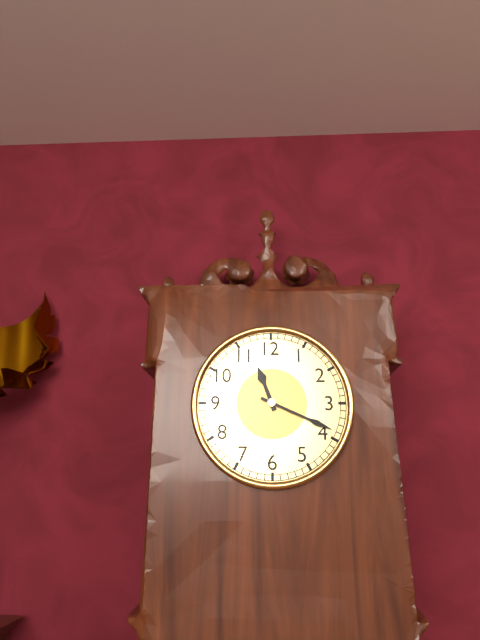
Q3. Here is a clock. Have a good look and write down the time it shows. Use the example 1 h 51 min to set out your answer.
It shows 11 h 19 min
